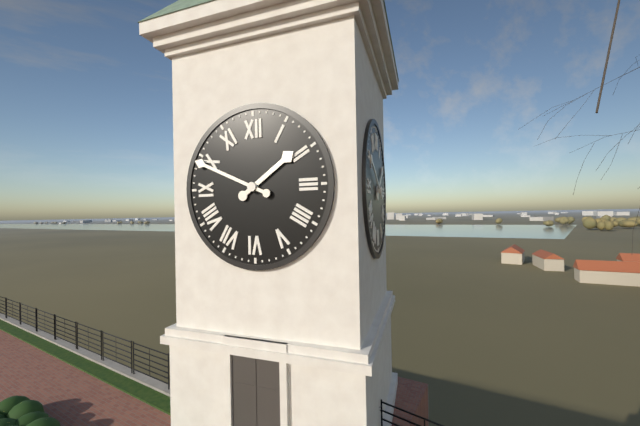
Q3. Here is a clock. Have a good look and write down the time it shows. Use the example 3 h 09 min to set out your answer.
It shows 1 h 49 min
